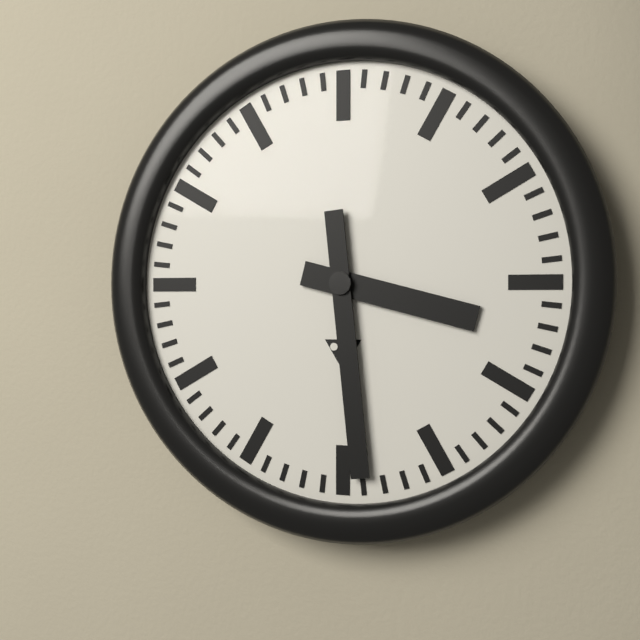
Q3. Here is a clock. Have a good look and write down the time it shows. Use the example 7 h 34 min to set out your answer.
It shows 3 h 29 min
